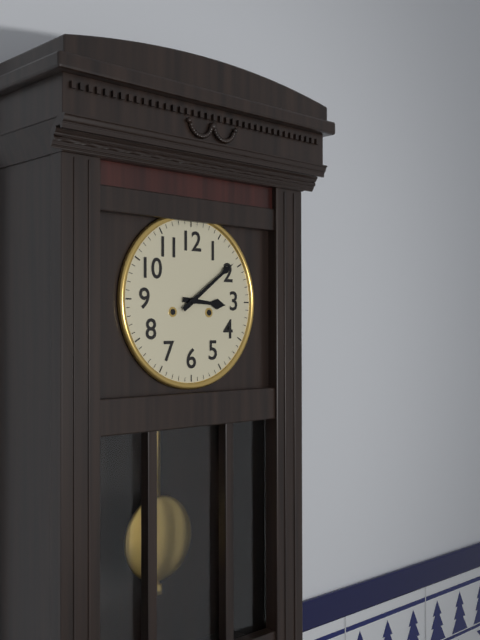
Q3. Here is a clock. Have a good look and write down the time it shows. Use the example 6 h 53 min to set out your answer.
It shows 3 h 09 min
